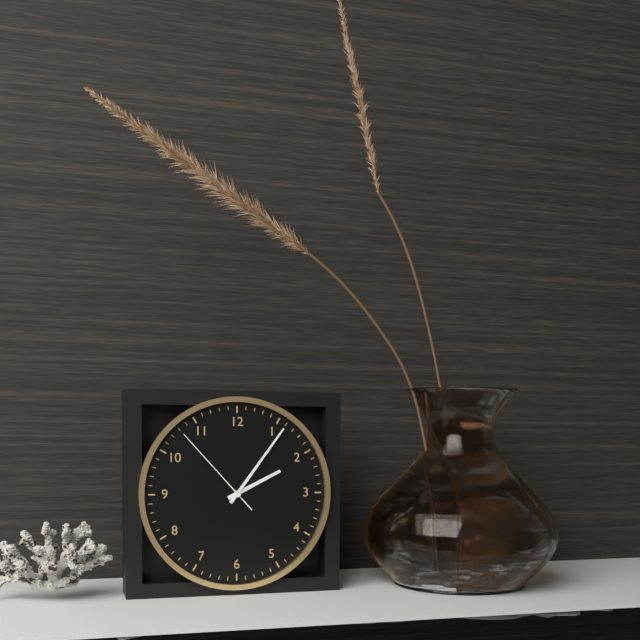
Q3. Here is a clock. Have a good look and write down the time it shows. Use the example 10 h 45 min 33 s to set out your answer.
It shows 2 h 06 min 53 s
